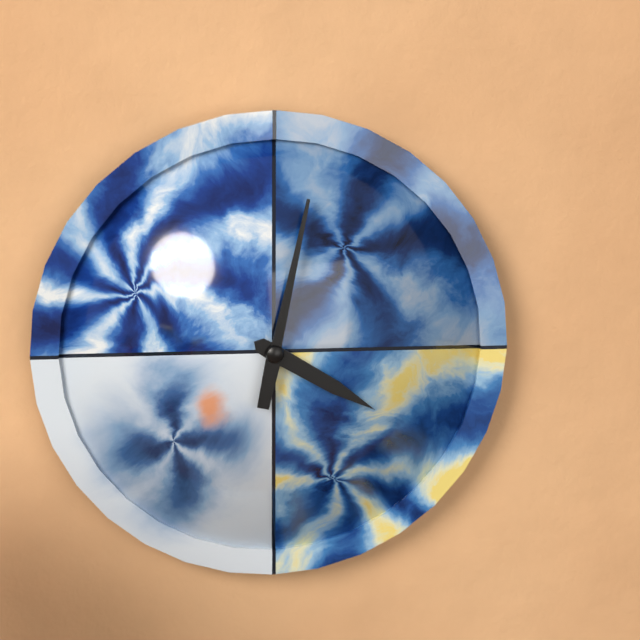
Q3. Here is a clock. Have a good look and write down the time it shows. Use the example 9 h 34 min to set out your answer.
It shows 4 h 02 min
